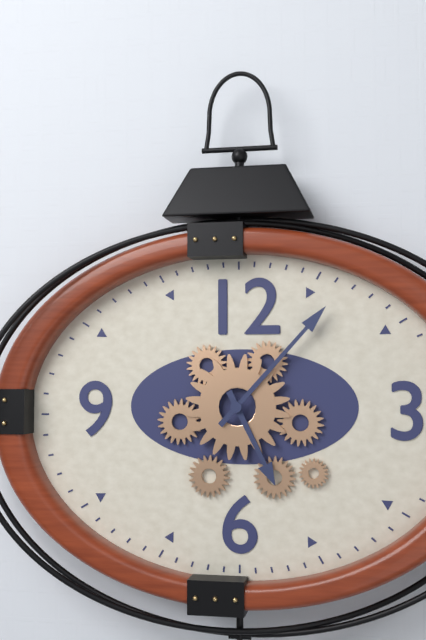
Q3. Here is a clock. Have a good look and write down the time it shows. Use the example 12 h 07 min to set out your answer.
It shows 5 h 07 min
